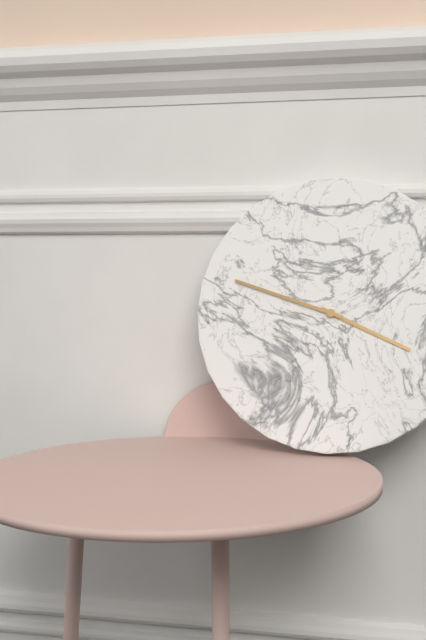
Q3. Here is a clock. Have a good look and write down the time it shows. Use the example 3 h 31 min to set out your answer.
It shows 3 h 48 min
